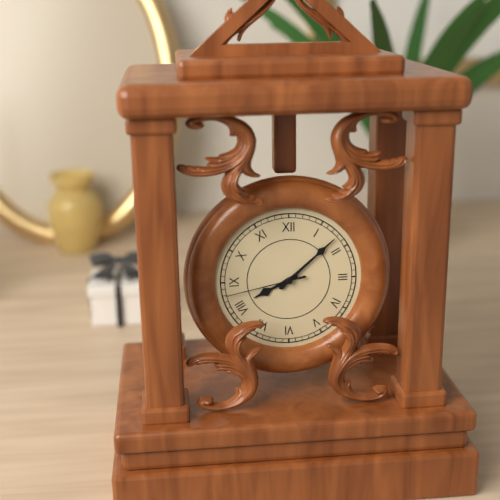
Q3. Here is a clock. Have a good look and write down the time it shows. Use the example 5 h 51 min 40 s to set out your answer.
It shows 8 h 08 min 43 s
